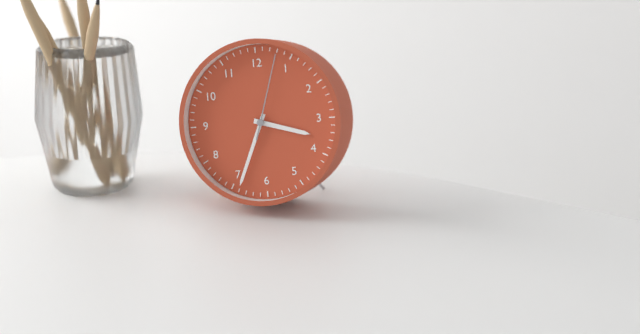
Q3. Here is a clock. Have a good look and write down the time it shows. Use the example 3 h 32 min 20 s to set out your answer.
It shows 3 h 34 min 03 s
